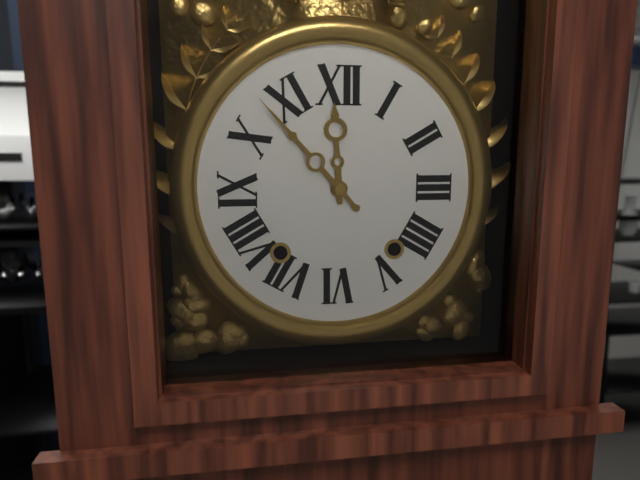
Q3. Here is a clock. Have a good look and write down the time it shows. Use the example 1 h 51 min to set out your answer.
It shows 11 h 53 min
